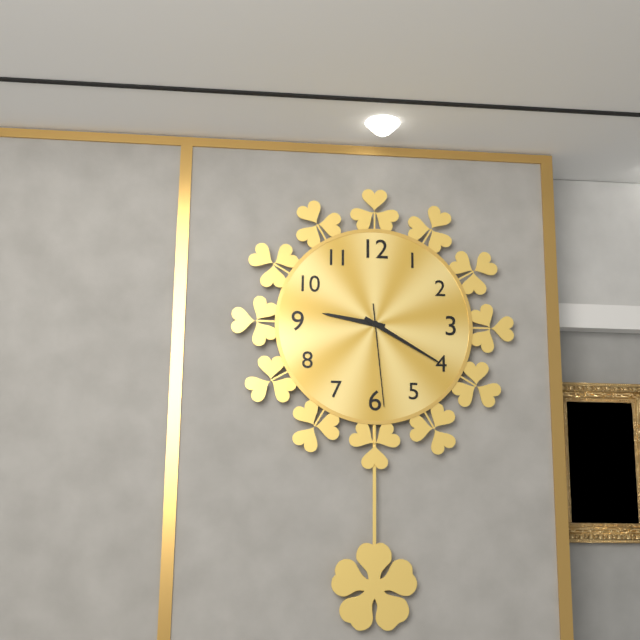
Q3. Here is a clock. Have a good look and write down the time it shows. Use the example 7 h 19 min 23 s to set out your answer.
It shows 9 h 20 min 29 s
